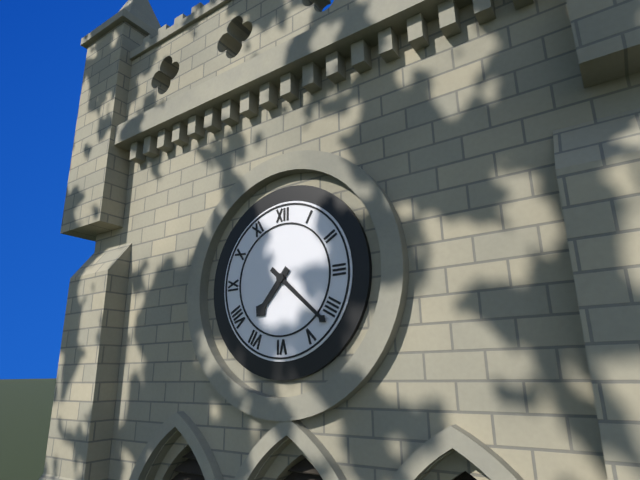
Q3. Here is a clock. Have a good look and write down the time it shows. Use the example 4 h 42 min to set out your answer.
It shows 7 h 22 min
